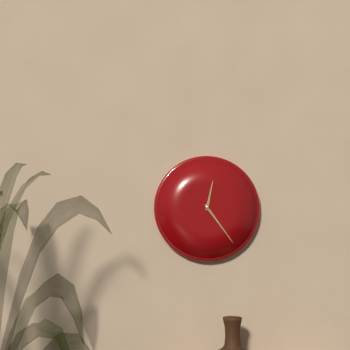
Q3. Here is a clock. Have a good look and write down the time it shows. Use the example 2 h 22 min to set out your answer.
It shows 12 h 24 min
